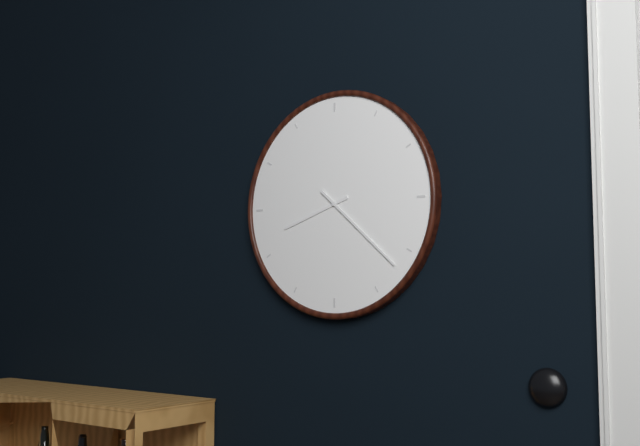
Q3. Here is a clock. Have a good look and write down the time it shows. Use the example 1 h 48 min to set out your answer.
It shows 8 h 22 min
